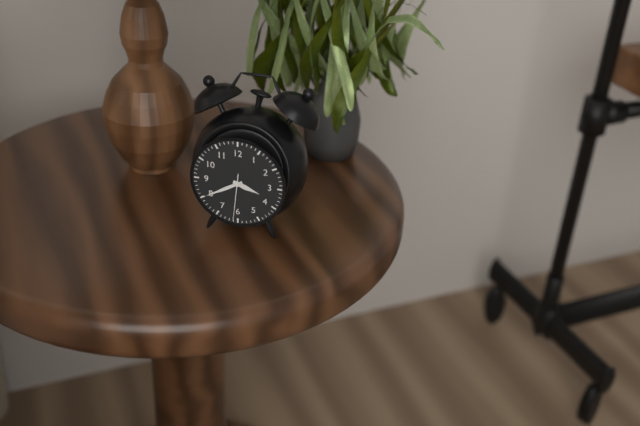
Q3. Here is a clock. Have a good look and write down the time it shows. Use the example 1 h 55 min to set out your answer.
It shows 3 h 40 min
